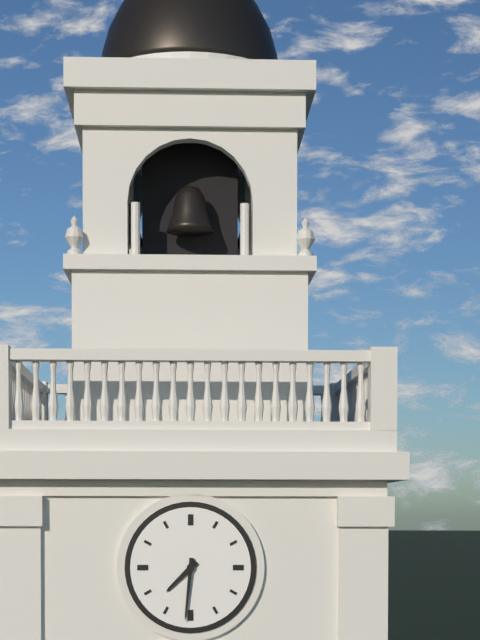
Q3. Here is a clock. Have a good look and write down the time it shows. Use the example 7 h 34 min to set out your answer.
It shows 7 h 31 min
